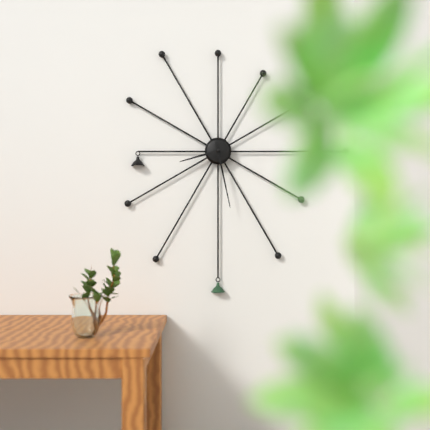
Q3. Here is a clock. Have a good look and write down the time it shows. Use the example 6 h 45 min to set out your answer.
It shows 8 h 28 min
